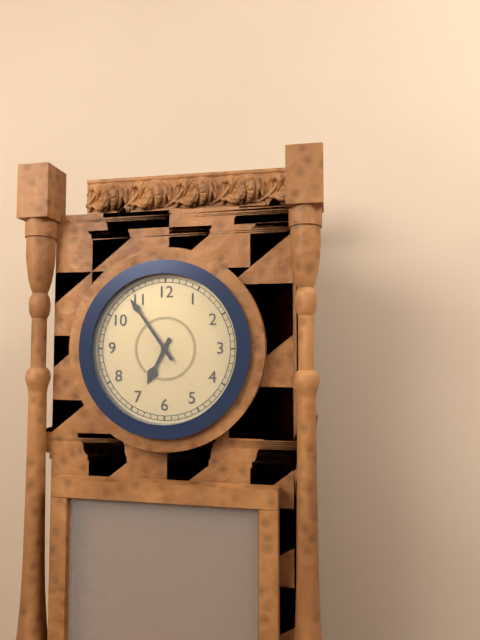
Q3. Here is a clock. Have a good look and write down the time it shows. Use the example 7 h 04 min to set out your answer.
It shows 6 h 54 min
